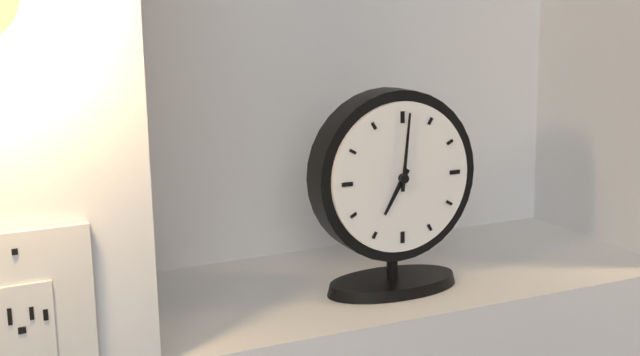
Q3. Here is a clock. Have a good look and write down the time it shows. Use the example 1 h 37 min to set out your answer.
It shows 7 h 01 min
